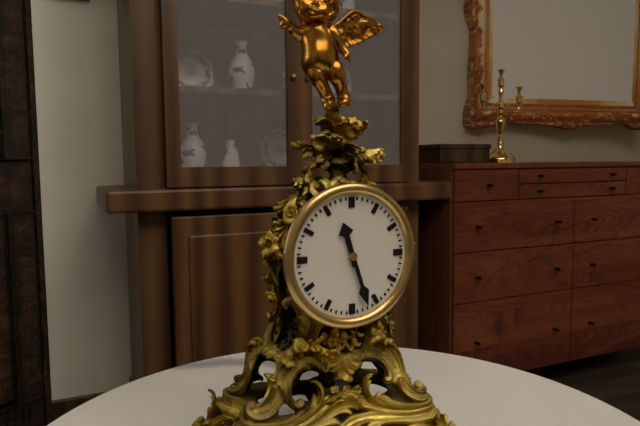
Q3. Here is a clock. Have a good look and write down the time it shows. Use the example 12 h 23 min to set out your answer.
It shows 11 h 27 min
